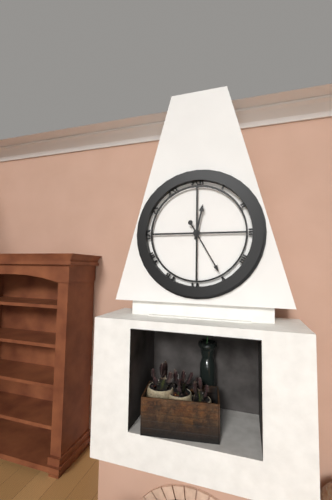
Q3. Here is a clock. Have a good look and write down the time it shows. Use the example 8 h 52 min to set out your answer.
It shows 12 h 25 min
